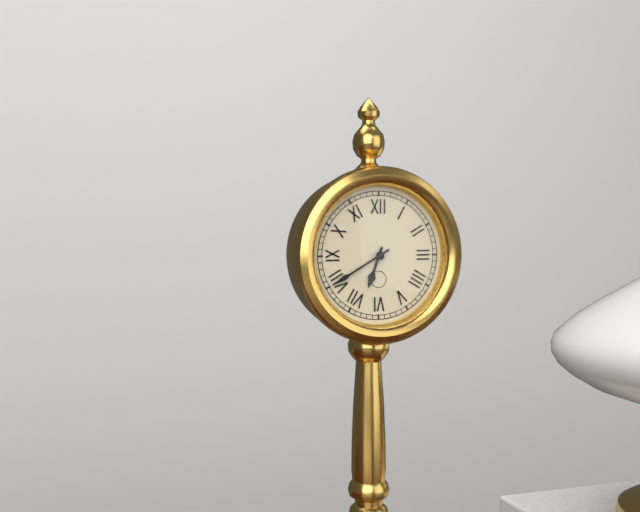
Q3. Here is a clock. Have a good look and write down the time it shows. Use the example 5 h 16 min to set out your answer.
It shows 6 h 40 min
